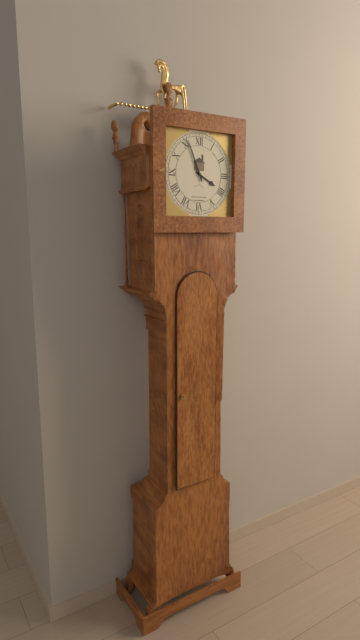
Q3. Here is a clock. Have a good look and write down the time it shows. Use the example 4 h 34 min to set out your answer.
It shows 3 h 56 min
